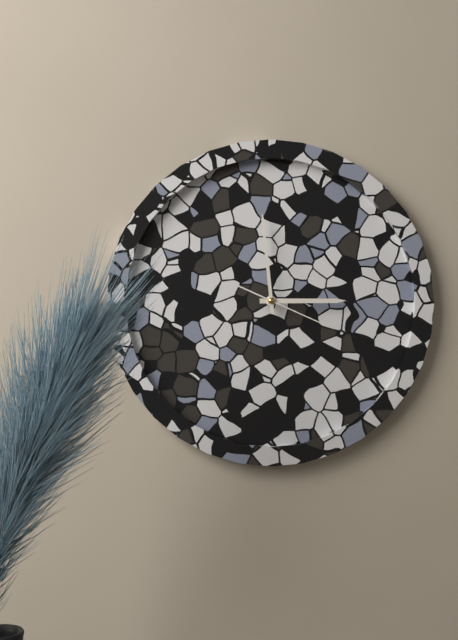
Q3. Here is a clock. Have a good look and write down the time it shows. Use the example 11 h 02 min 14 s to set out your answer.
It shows 2 h 59 min 19 s
